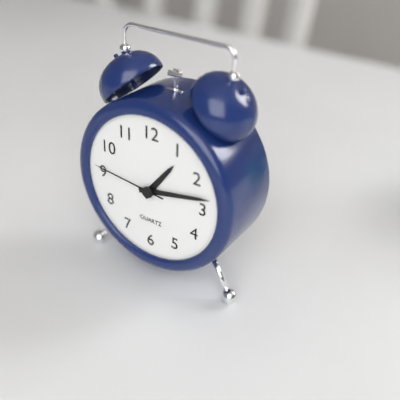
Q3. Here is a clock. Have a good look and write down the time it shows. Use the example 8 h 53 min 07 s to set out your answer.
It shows 1 h 13 min 46 s
